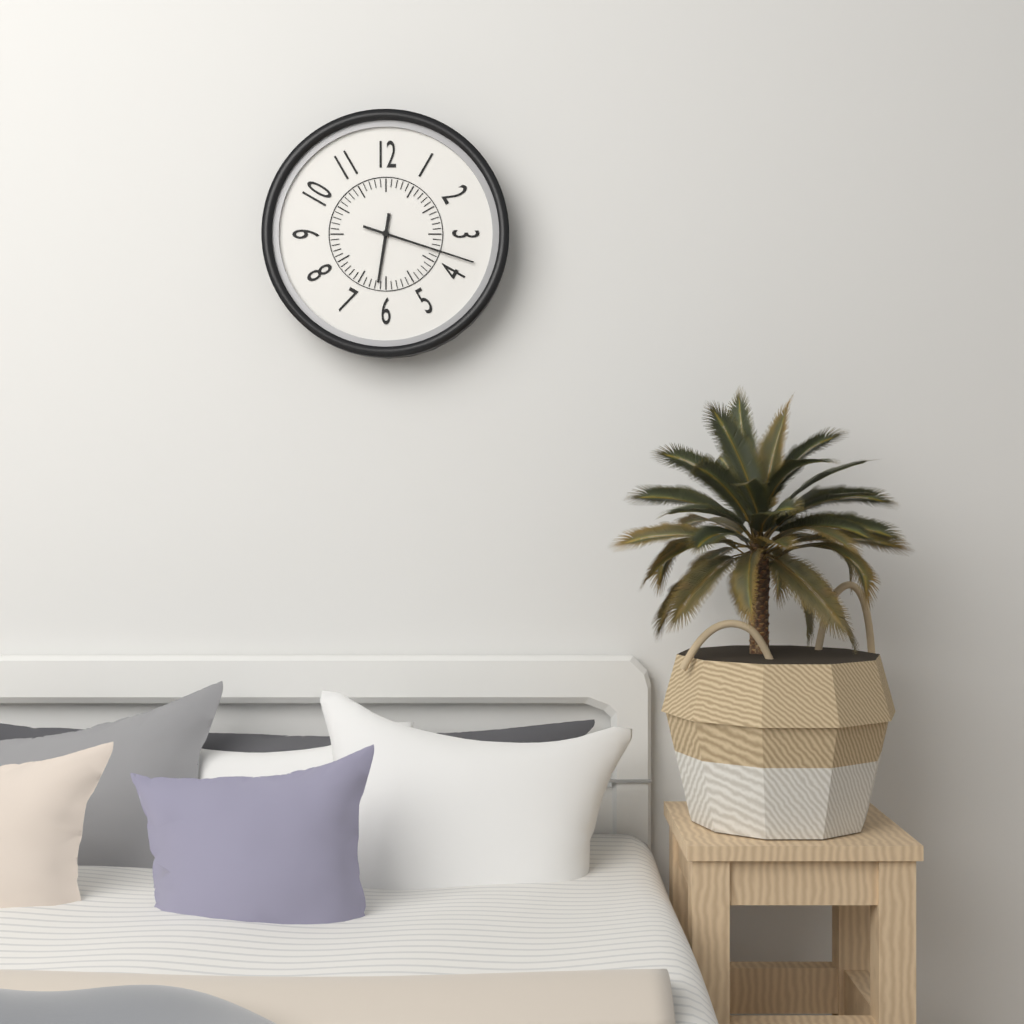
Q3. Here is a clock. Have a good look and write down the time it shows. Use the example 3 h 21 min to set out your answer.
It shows 6 h 18 min
